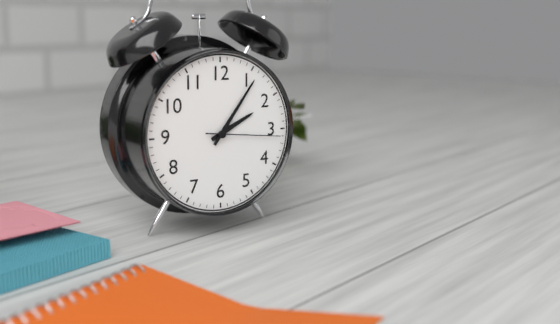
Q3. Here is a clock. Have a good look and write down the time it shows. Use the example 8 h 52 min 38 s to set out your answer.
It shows 2 h 06 min 16 s
